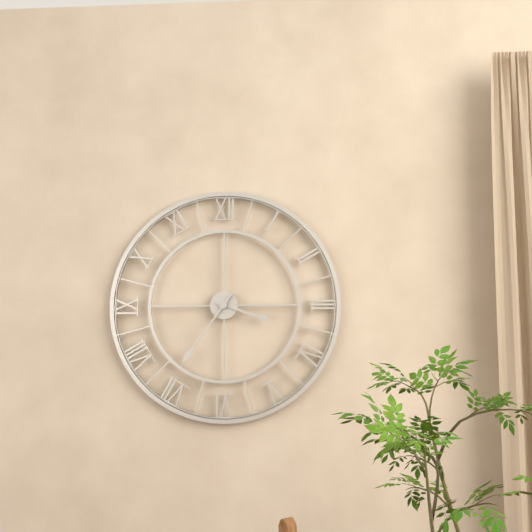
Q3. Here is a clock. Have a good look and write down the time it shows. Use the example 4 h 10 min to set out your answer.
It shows 3 h 36 min
